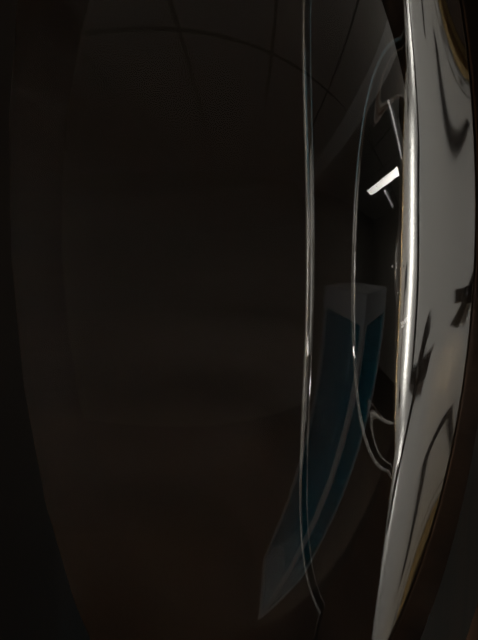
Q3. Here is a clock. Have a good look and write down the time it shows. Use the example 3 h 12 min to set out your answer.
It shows 3 h 08 min
